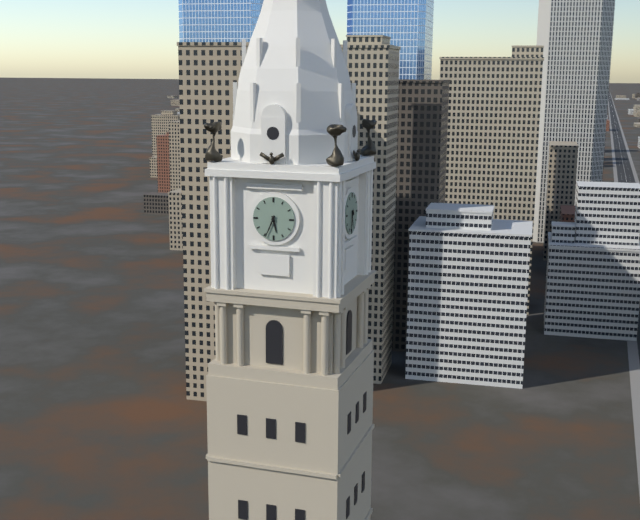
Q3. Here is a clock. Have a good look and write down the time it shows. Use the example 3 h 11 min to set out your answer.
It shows 5 h 34 min
